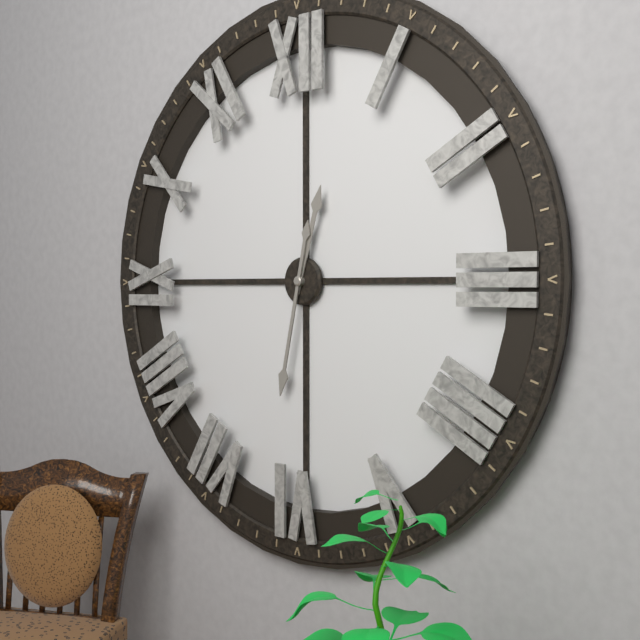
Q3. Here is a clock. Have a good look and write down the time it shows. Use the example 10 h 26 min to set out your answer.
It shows 12 h 32 min
